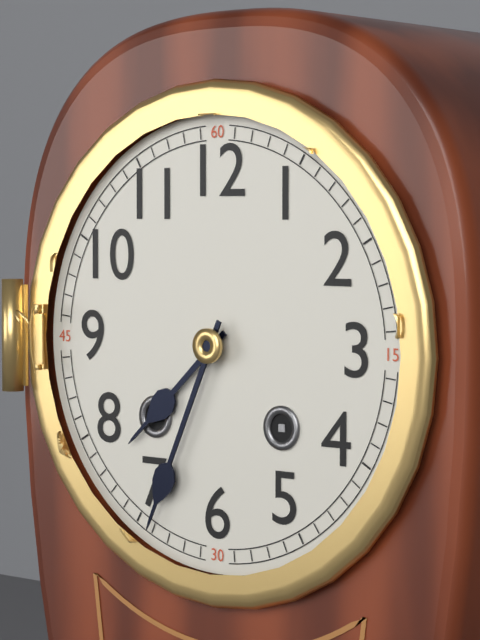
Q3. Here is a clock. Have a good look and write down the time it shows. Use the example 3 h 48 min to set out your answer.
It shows 7 h 34 min
